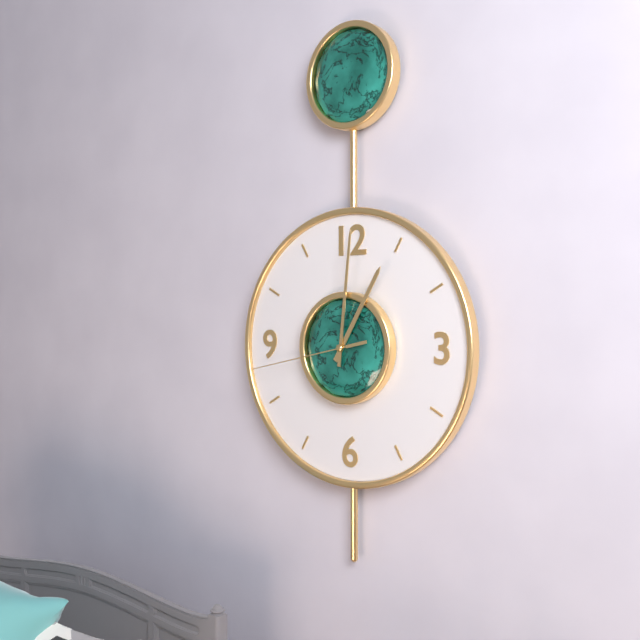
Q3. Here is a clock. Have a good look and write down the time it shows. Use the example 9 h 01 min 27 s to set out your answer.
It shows 1 h 01 min 43 s
